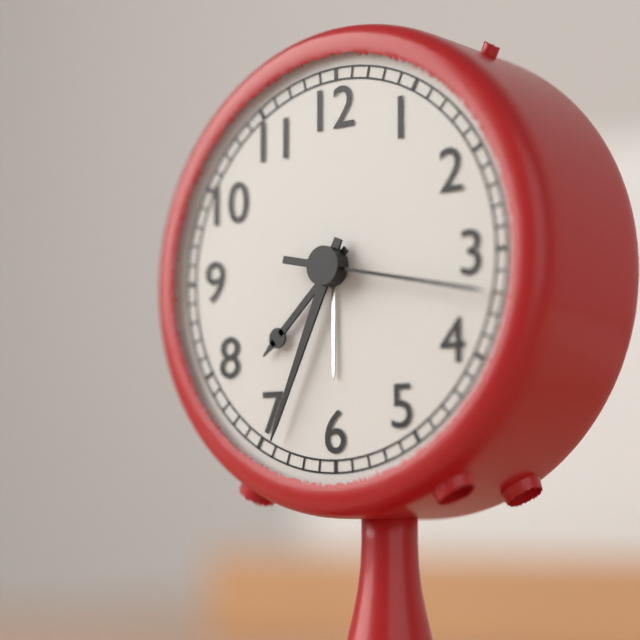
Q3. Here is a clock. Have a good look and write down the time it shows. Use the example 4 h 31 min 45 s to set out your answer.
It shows 7 h 34 min 17 s
